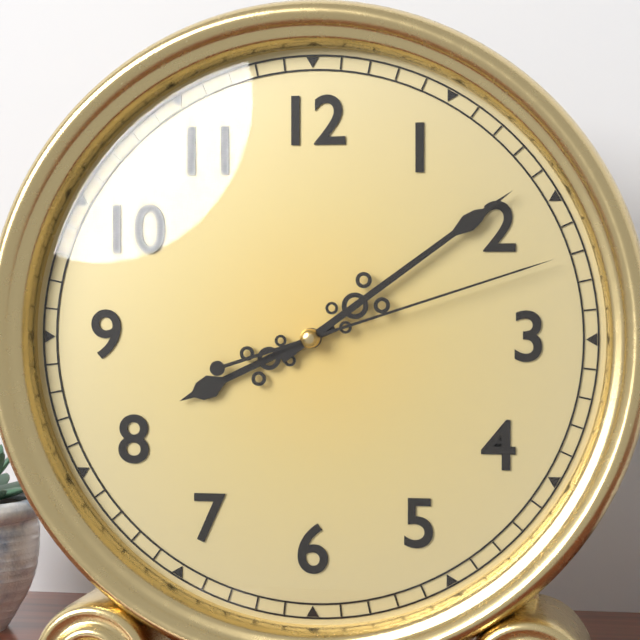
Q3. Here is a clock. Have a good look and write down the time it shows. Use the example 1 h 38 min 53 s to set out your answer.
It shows 8 h 09 min 12 s
